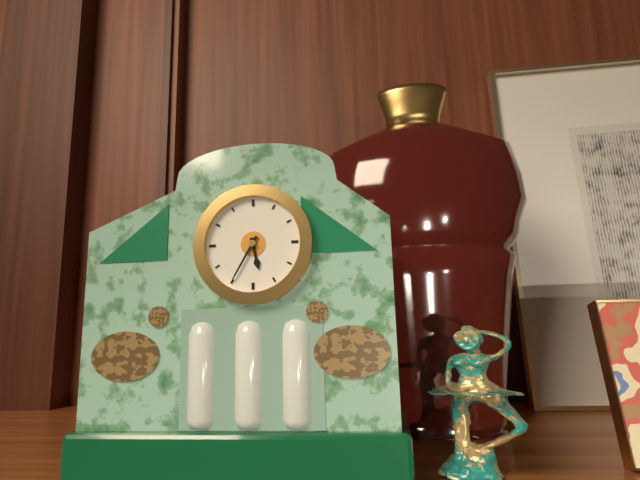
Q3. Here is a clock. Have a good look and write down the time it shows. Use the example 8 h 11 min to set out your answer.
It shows 5 h 35 min
